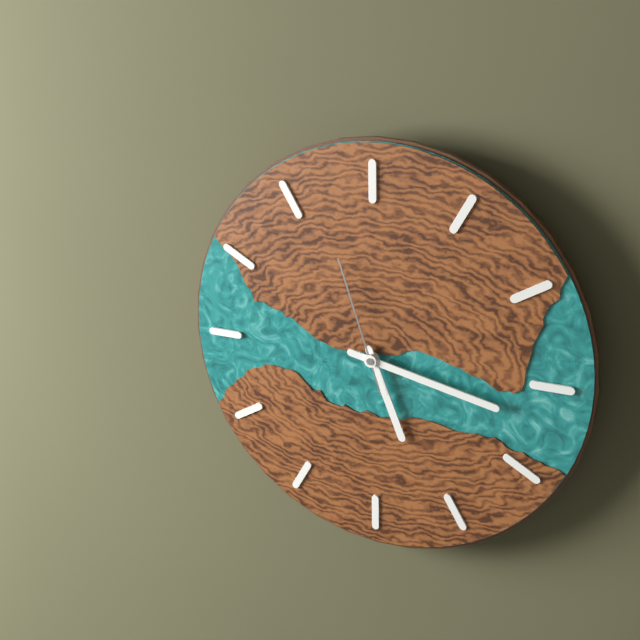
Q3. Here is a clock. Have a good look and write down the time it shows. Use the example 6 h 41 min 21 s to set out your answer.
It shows 5 h 17 min 57 s
